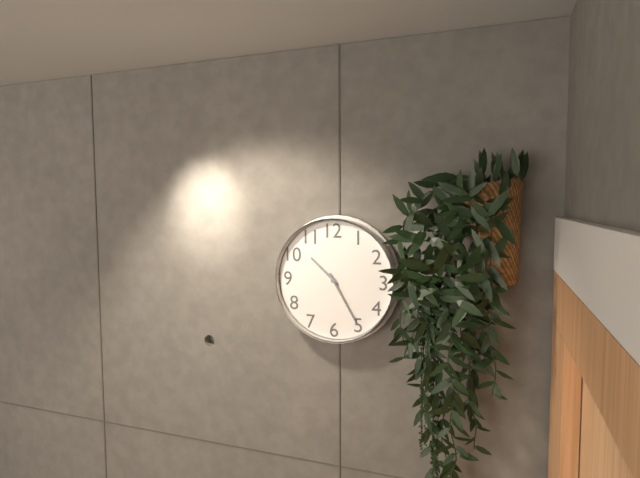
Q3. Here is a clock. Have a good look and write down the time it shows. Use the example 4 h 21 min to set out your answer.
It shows 10 h 25 min
